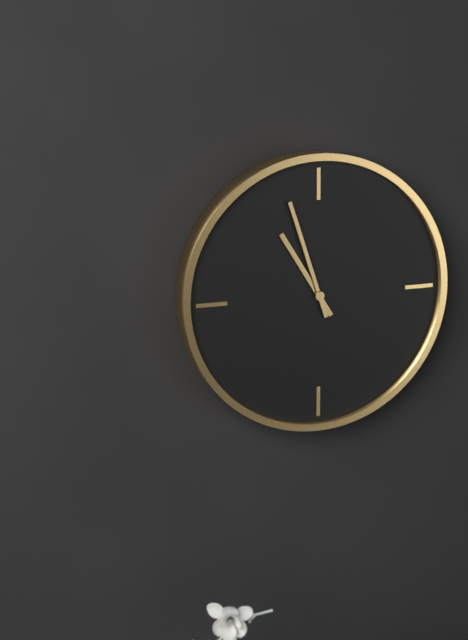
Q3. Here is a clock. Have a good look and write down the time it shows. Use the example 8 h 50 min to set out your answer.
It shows 10 h 57 min
